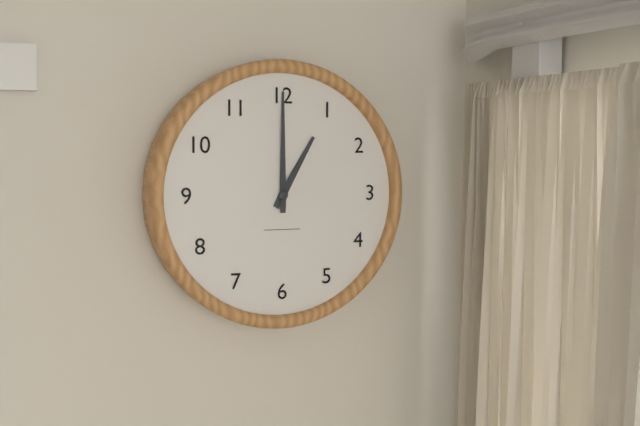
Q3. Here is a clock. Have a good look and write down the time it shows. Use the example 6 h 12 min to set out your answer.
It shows 1 h 00 min
